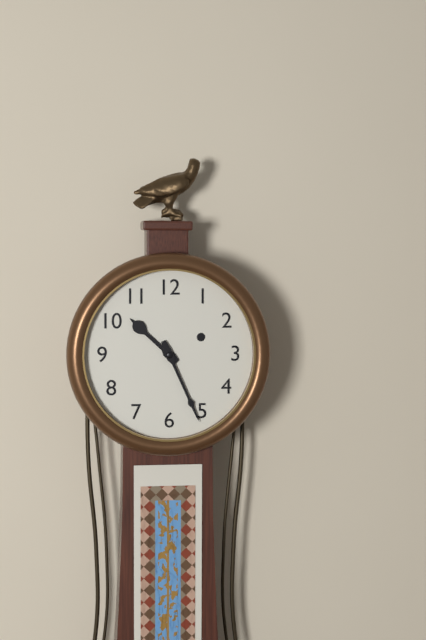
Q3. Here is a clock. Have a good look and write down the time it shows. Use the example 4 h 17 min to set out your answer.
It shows 10 h 26 min
